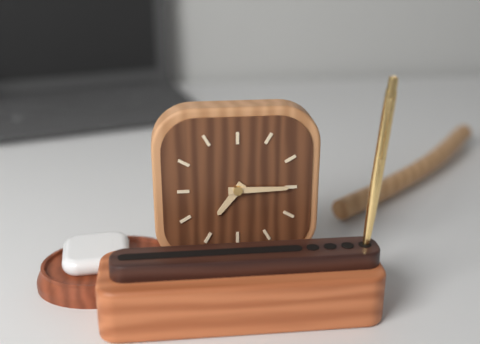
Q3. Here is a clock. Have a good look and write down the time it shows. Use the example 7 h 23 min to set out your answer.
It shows 7 h 15 min
